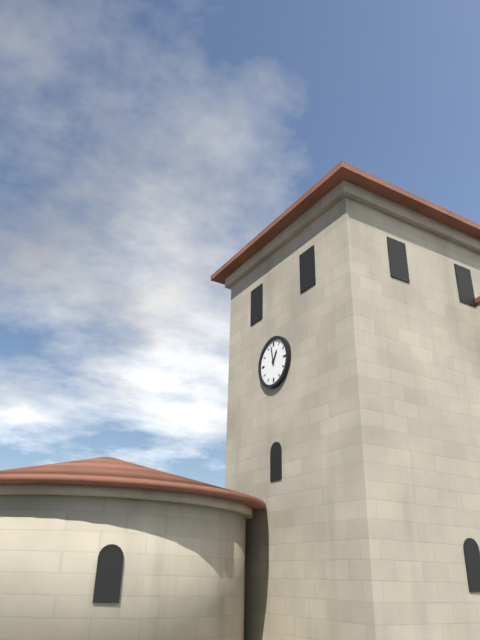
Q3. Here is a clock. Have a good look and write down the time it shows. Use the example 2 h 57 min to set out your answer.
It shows 12 h 58 min
